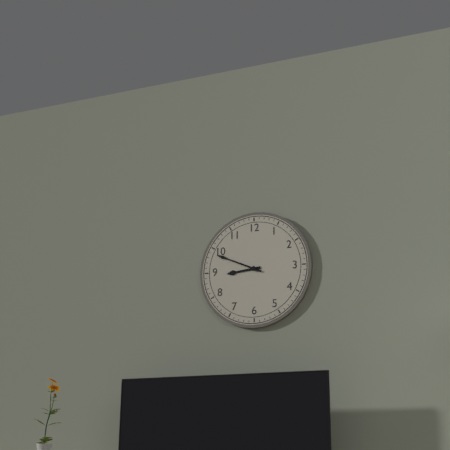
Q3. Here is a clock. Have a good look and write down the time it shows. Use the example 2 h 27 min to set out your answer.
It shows 8 h 49 min
